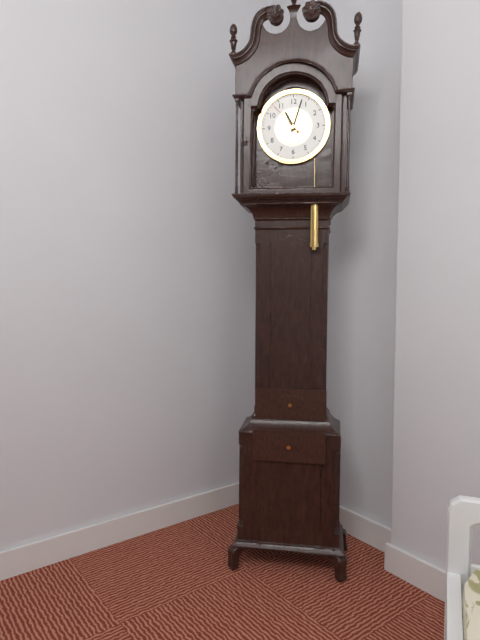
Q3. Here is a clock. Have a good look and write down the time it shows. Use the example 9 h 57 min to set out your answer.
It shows 11 h 03 min
